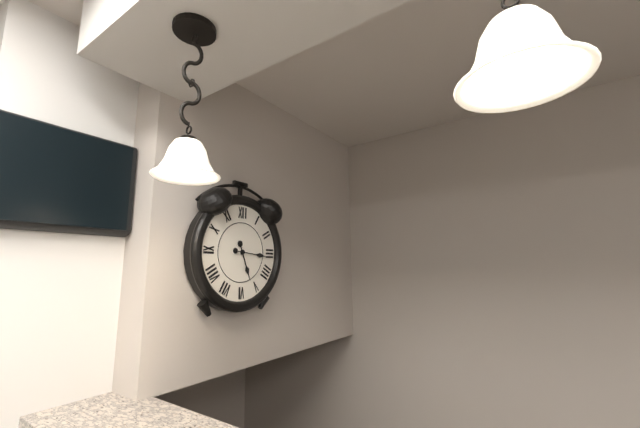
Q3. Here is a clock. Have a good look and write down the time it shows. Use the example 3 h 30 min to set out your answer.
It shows 5 h 16 min
